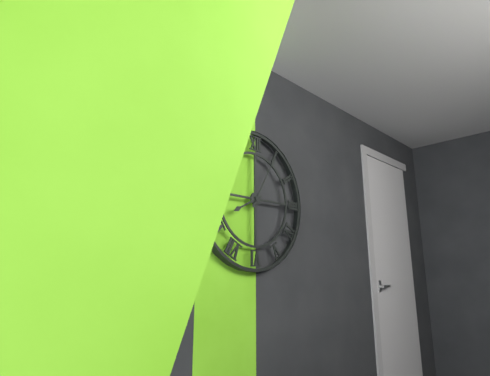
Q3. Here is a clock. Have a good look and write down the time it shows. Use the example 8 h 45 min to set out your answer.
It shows 8 h 05 min
